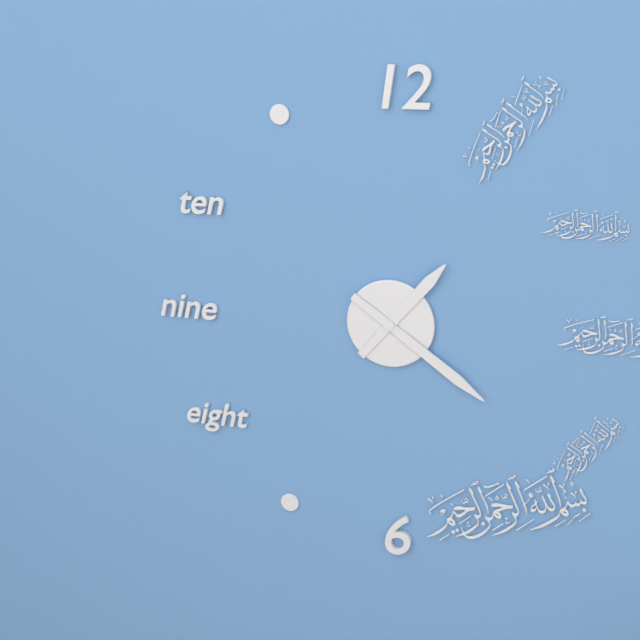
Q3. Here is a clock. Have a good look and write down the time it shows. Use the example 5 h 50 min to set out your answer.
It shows 1 h 21 min
